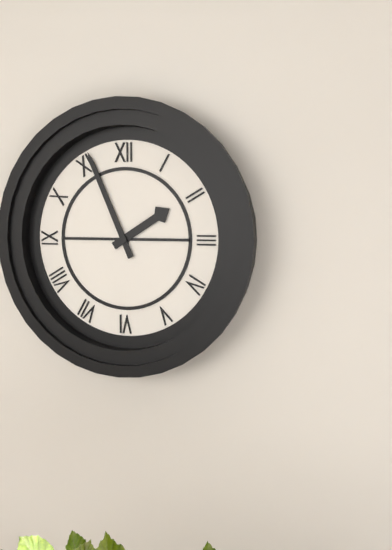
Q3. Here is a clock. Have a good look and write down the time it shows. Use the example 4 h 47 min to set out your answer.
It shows 1 h 56 min
